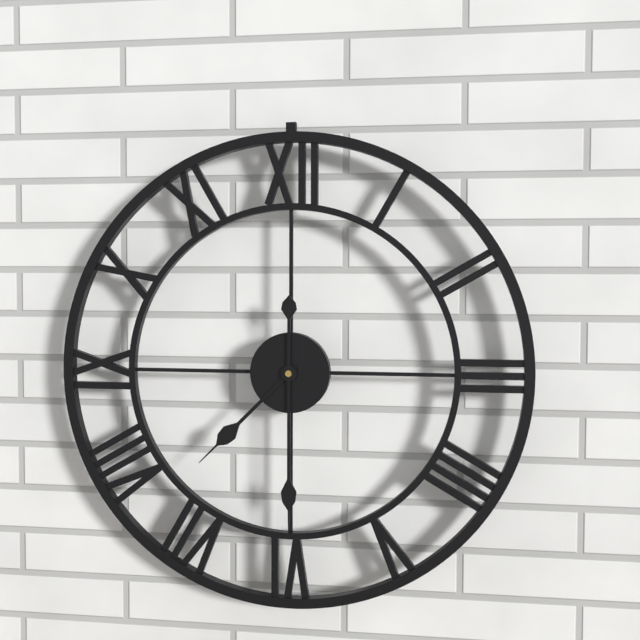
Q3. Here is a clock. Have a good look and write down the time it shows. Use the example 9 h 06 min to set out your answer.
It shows 7 h 30 min
